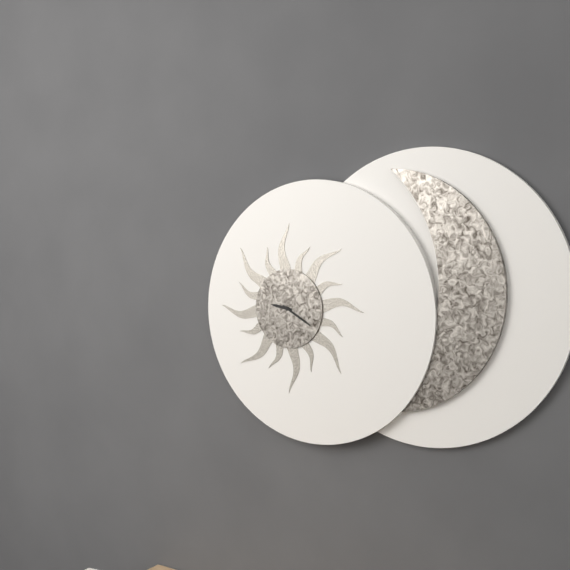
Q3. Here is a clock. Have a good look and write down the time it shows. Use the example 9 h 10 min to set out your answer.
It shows 9 h 20 min
